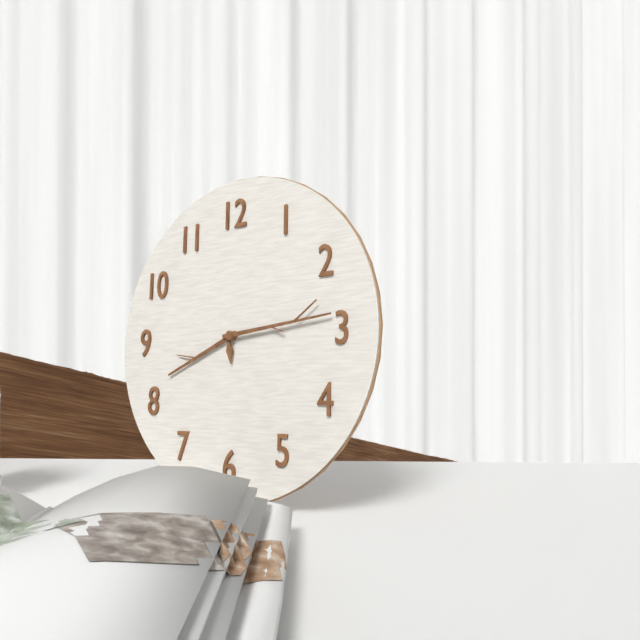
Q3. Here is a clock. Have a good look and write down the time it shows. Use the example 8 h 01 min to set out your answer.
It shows 8 h 14 min
